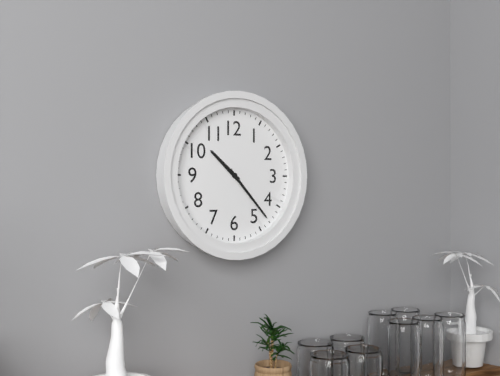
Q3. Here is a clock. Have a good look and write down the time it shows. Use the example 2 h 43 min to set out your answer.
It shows 10 h 23 min
